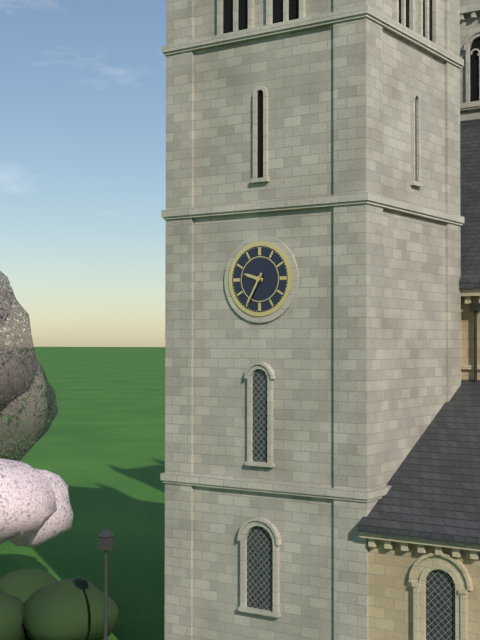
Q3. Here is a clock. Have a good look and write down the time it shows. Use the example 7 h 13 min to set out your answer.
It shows 9 h 35 min
